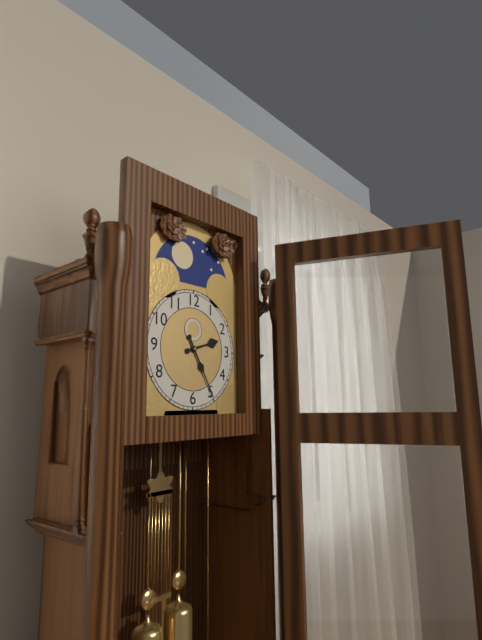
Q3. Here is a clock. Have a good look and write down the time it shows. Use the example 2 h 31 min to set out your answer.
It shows 2 h 25 min
